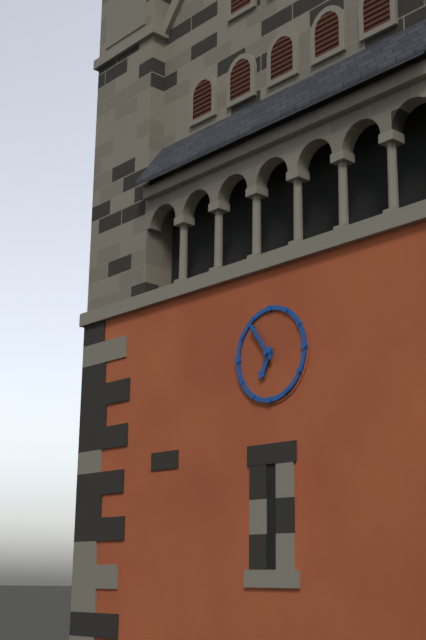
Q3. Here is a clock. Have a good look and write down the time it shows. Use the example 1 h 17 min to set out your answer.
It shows 6 h 54 min
